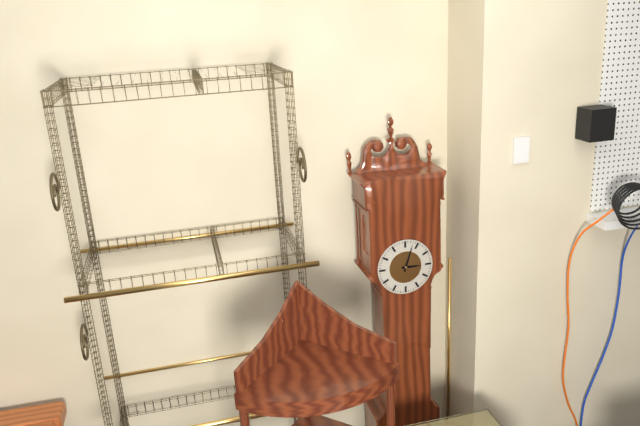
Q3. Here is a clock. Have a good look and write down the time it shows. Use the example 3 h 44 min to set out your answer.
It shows 3 h 03 min
